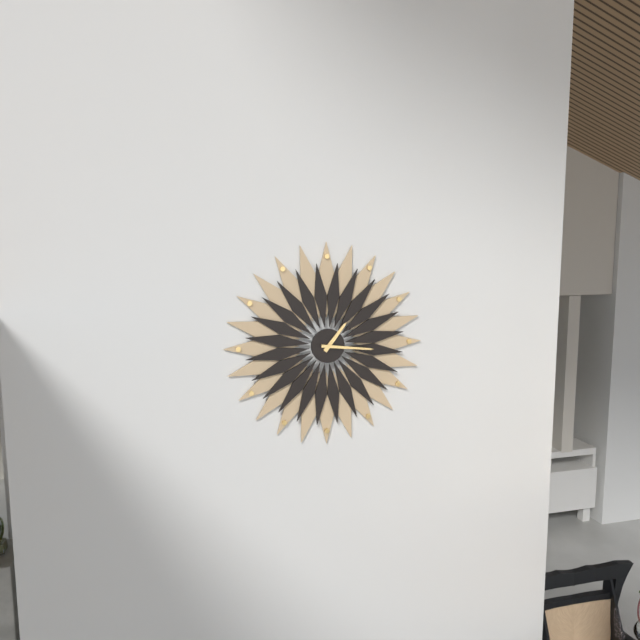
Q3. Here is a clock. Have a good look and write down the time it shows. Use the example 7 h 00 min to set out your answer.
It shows 1 h 16 min
